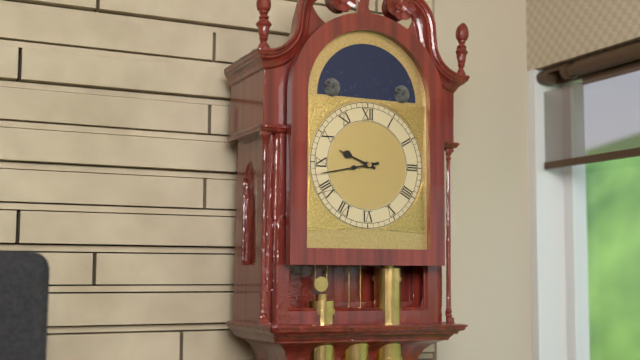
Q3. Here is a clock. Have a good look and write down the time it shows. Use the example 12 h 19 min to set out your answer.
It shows 9 h 43 min
